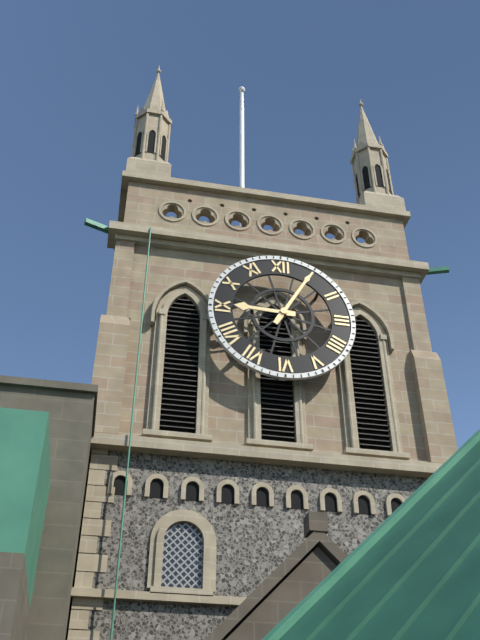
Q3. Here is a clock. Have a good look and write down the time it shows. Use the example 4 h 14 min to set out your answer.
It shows 9 h 05 min
